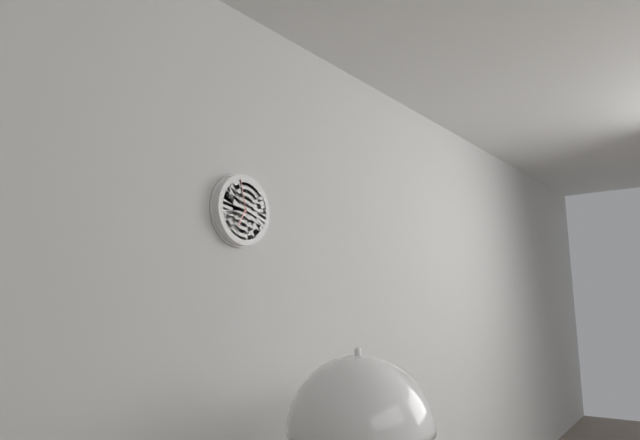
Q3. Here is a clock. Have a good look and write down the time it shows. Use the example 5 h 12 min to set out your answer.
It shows 6 h 58 min
